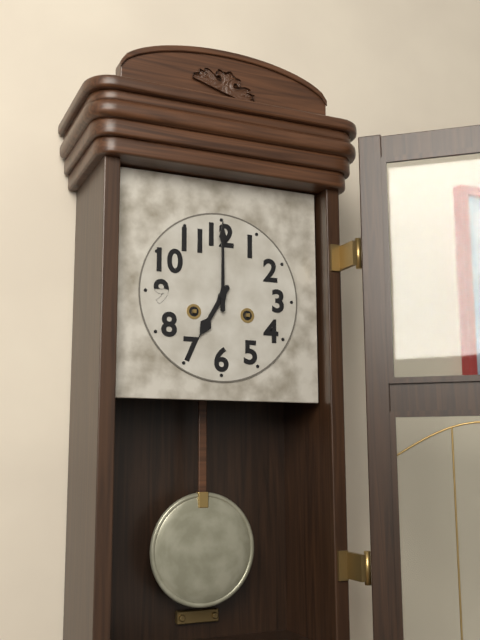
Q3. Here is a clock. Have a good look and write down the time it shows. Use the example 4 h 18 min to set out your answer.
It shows 7 h 00 min
